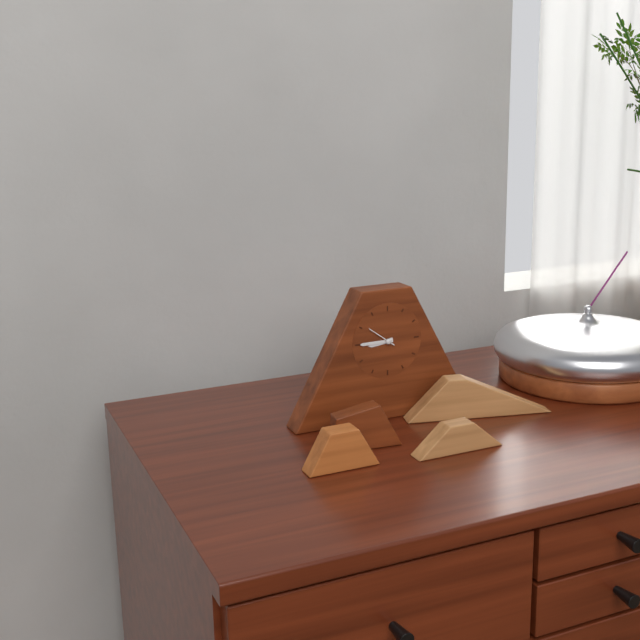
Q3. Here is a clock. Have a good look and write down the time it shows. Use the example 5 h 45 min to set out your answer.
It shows 8 h 45 min
